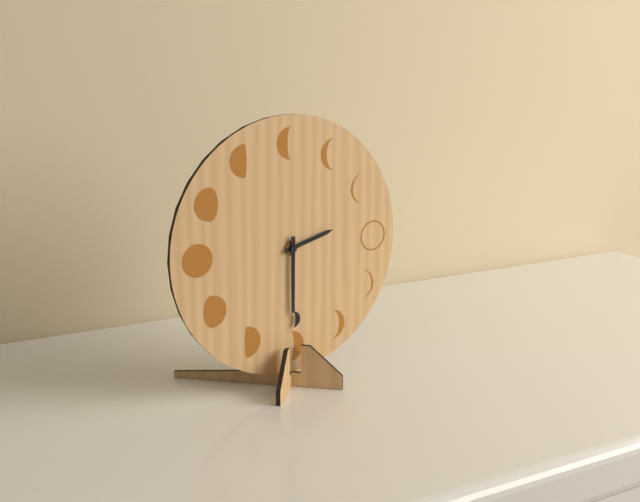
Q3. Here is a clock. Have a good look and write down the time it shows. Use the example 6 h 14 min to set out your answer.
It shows 2 h 30 min
